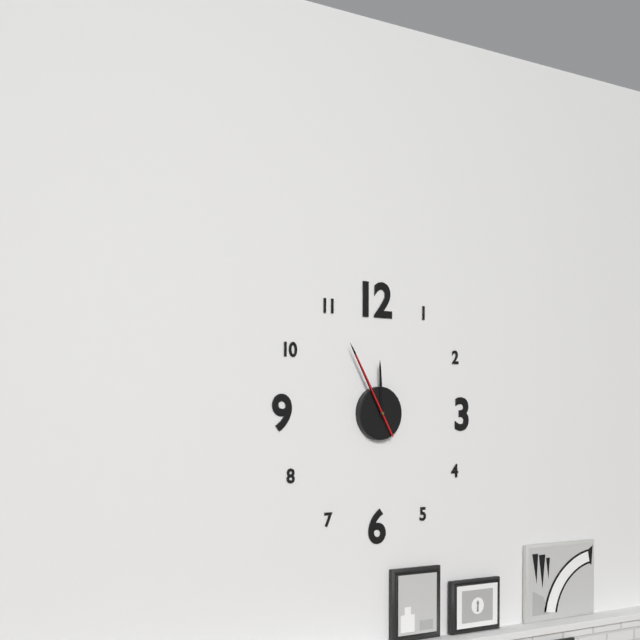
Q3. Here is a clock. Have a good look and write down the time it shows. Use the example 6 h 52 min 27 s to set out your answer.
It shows 11 h 55 min 55 s
